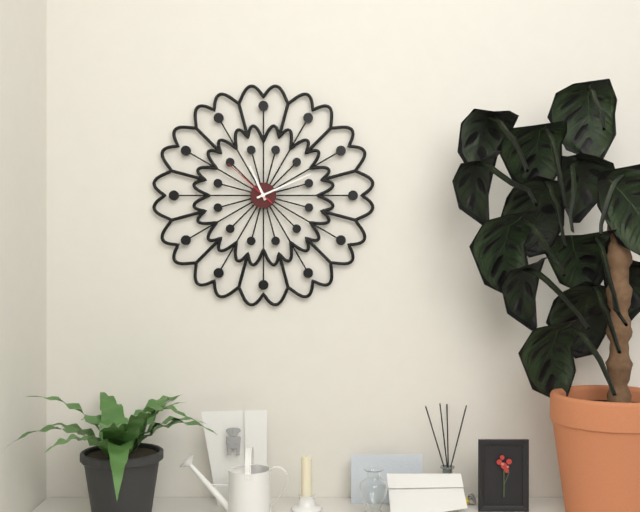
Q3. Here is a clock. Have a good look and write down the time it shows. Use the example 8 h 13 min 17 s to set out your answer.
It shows 11 h 11 min 52 s
